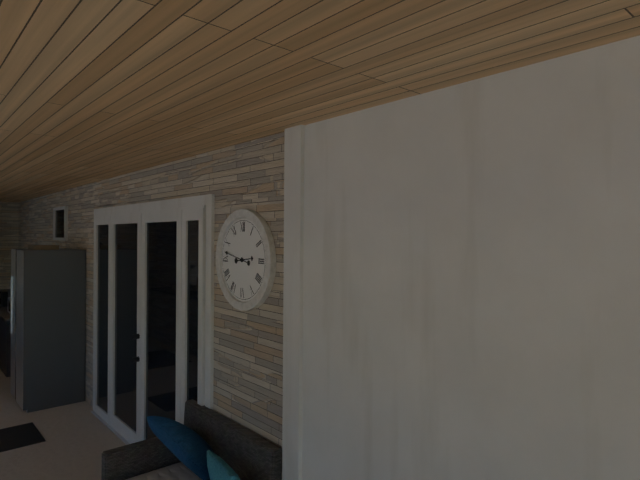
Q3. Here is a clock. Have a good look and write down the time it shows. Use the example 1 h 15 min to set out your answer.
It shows 2 h 47 min
